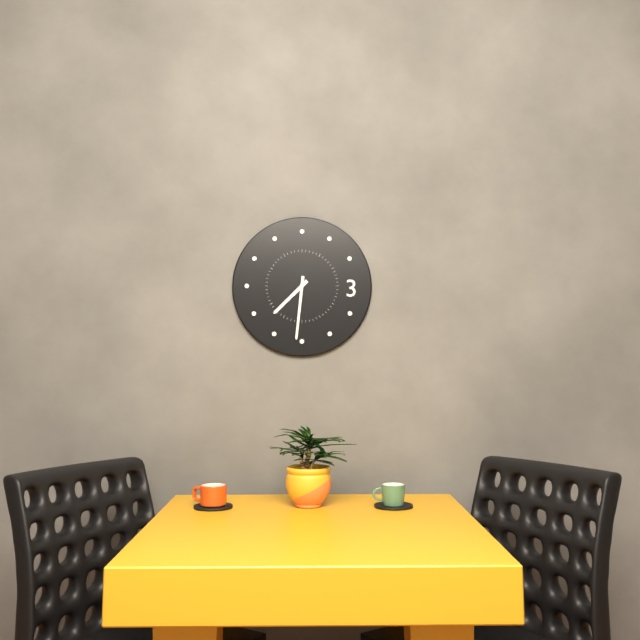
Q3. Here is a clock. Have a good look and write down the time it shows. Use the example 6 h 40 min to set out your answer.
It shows 7 h 31 min
